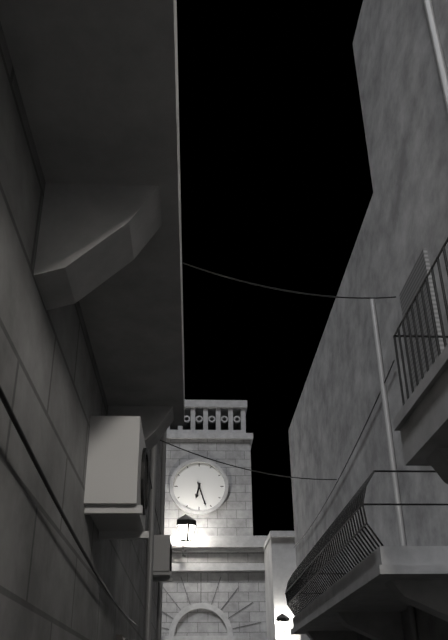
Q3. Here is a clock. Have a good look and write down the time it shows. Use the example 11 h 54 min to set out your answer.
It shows 6 h 27 min
